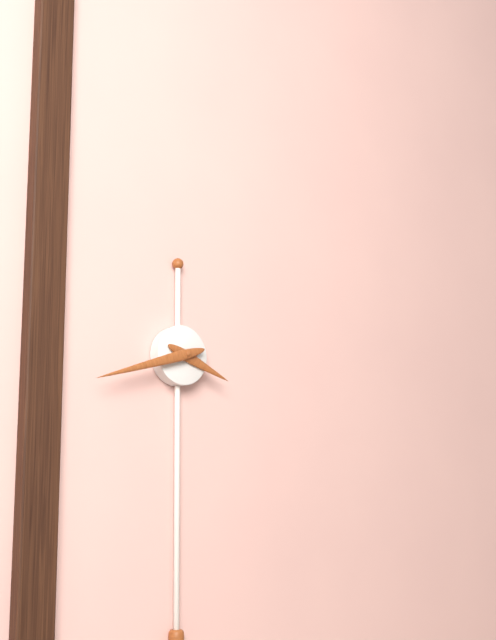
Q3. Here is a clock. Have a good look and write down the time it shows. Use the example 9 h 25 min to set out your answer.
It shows 3 h 42 min
